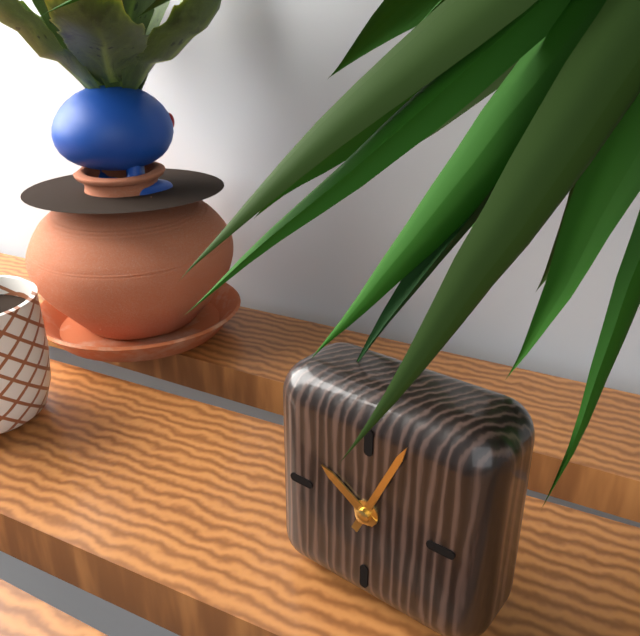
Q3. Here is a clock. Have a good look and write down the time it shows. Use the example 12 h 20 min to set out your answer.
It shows 10 h 04 min
